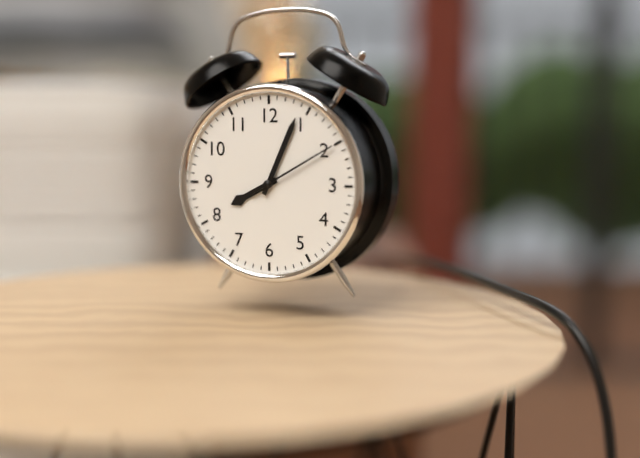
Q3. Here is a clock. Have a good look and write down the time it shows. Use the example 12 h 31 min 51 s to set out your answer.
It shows 8 h 04 min 10 s
